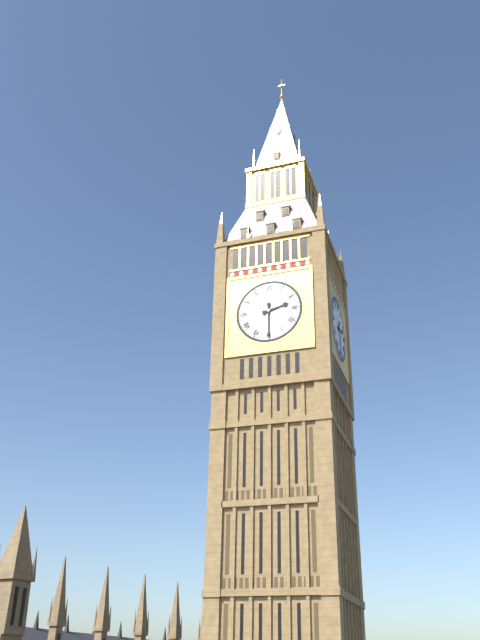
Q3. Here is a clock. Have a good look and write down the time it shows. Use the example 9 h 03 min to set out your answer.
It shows 2 h 30 min
